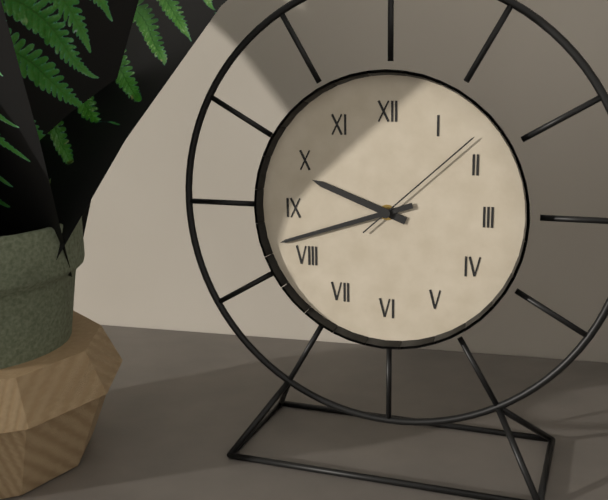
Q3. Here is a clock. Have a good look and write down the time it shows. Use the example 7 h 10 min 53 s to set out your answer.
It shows 9 h 42 min 08 s
